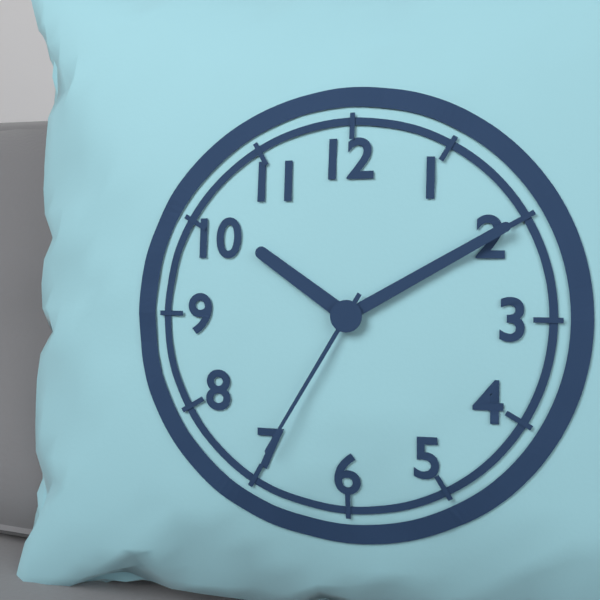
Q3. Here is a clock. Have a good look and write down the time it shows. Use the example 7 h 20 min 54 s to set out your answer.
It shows 10 h 10 min 35 s
